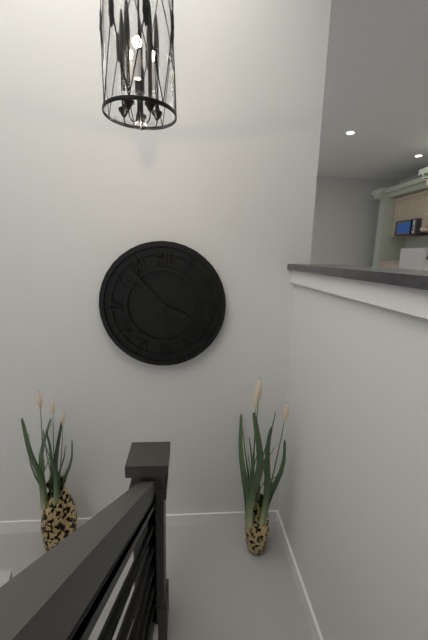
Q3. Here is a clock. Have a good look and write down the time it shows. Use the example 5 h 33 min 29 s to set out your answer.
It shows 3 h 53 min 29 s
